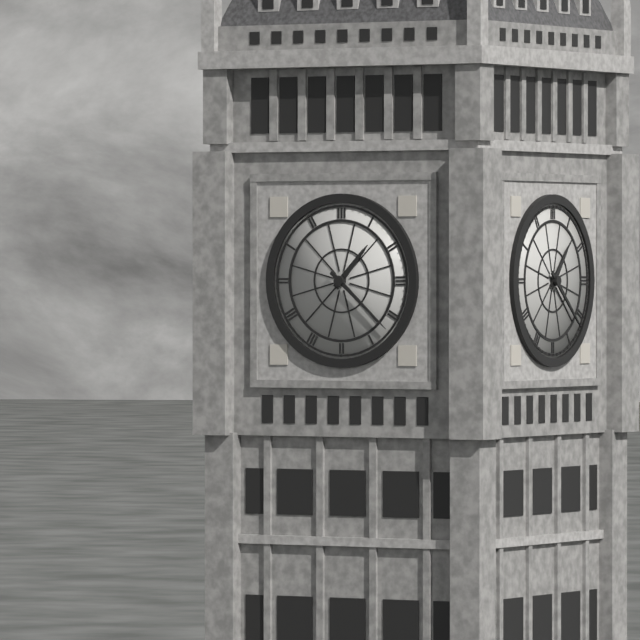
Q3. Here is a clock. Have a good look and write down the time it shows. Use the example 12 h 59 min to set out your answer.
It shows 1 h 22 min
